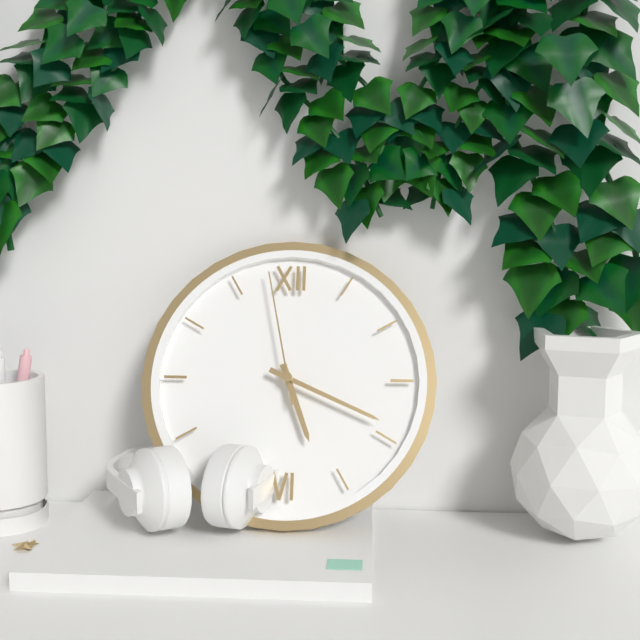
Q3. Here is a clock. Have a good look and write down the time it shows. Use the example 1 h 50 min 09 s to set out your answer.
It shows 5 h 19 min 58 s
